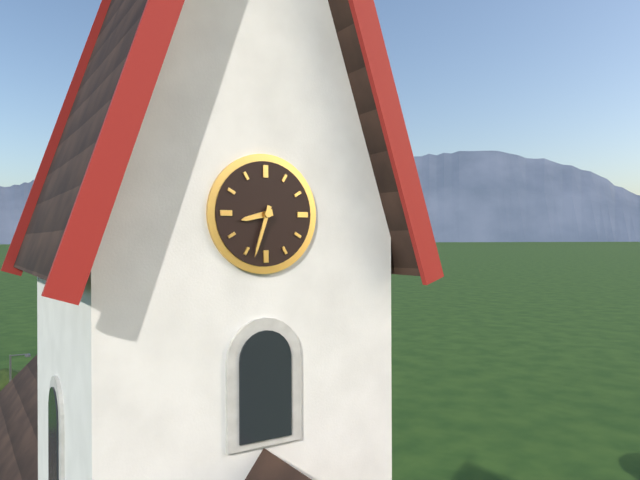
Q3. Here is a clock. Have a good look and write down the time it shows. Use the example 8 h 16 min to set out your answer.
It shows 8 h 33 min
